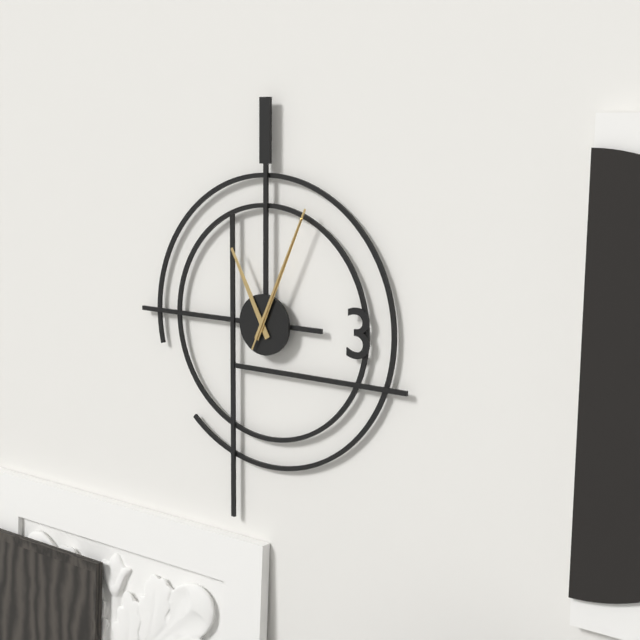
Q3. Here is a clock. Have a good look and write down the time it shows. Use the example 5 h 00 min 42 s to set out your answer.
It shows 11 h 04 min 04 s
